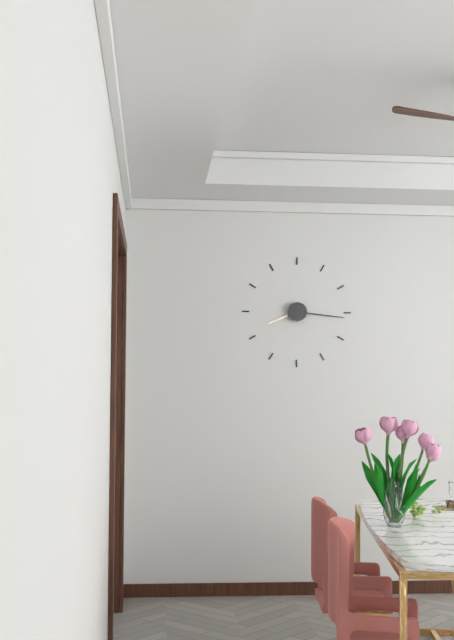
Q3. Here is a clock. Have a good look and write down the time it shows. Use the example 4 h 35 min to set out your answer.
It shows 8 h 16 min
